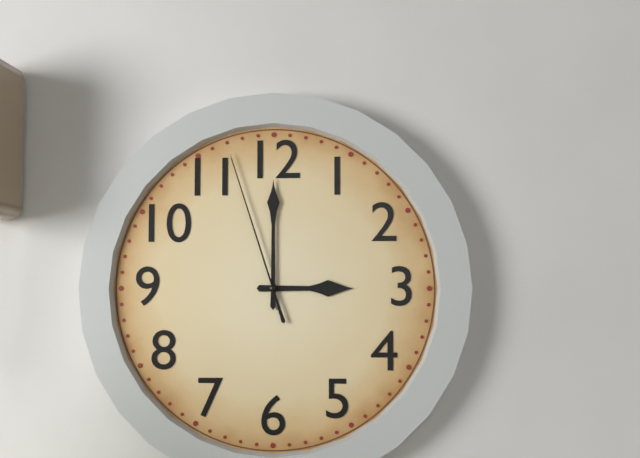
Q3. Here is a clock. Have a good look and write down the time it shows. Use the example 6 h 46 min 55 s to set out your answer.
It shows 3 h 00 min 57 s
